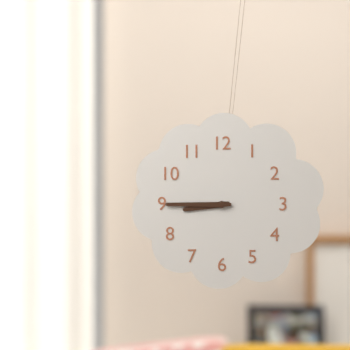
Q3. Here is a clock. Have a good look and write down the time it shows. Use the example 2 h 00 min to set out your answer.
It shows 8 h 45 min
